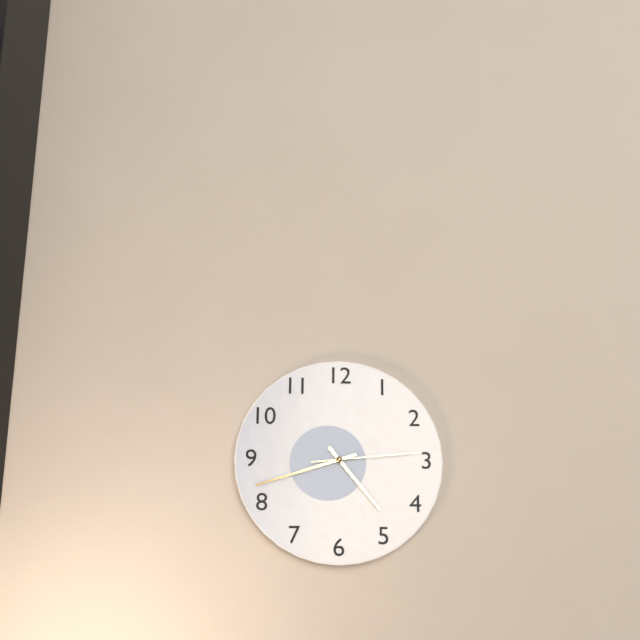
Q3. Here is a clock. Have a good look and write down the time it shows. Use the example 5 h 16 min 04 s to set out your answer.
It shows 4 h 42 min 14 s
